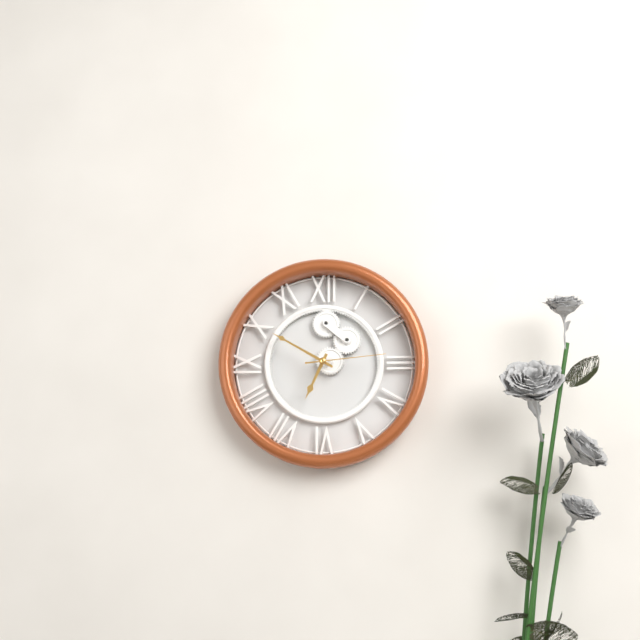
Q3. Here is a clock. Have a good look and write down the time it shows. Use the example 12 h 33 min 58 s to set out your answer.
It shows 6 h 50 min 14 s
